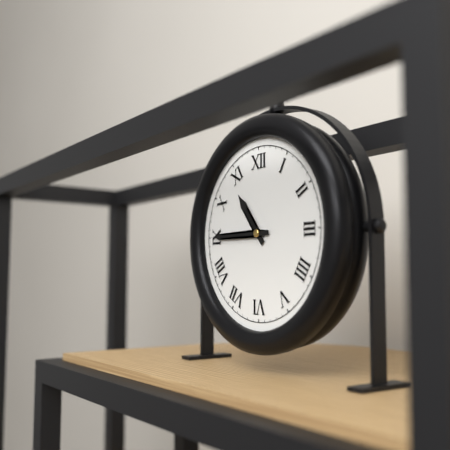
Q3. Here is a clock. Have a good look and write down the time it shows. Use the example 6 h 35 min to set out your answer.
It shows 10 h 45 min
